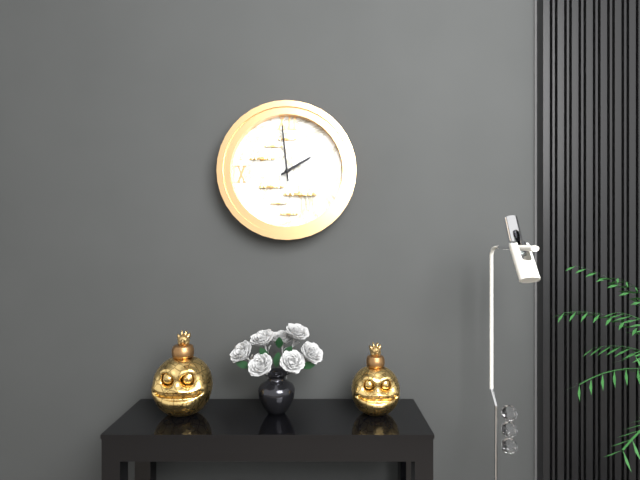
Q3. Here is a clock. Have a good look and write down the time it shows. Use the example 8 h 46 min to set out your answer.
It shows 1 h 59 min
